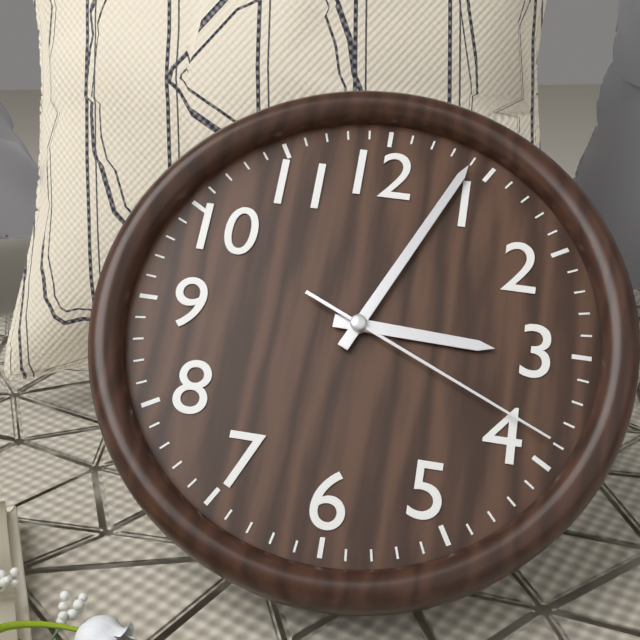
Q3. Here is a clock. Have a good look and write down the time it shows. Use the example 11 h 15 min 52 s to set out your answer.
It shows 3 h 04 min 19 s
